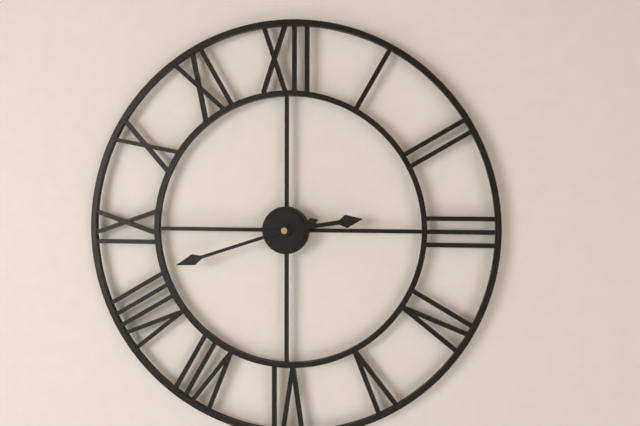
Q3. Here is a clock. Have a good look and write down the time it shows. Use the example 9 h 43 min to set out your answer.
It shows 2 h 42 min
